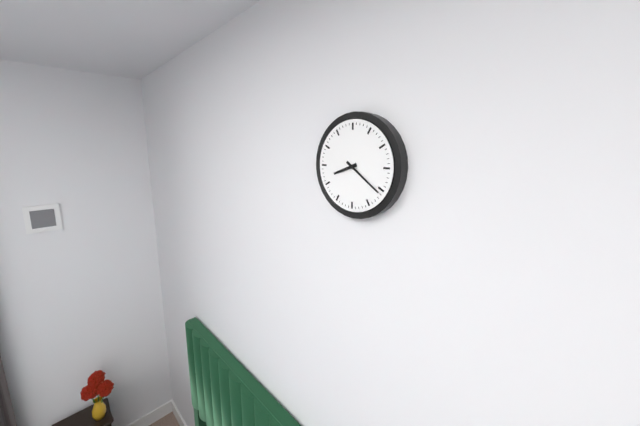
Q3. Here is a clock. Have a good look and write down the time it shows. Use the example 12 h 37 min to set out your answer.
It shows 8 h 21 min
